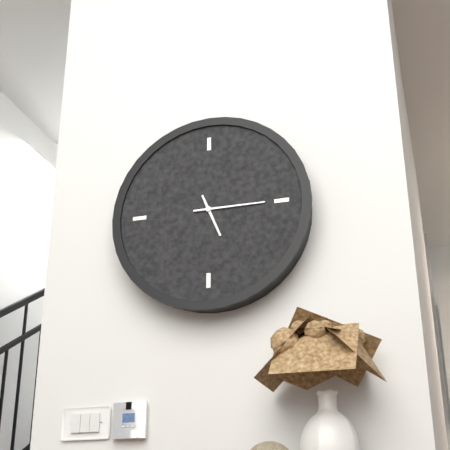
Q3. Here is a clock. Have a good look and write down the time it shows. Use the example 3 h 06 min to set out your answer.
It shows 5 h 15 min
